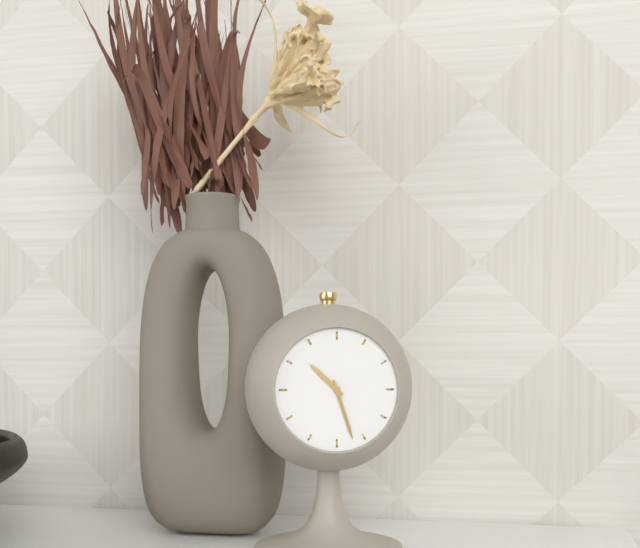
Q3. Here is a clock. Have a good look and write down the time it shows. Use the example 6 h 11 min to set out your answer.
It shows 10 h 27 min
